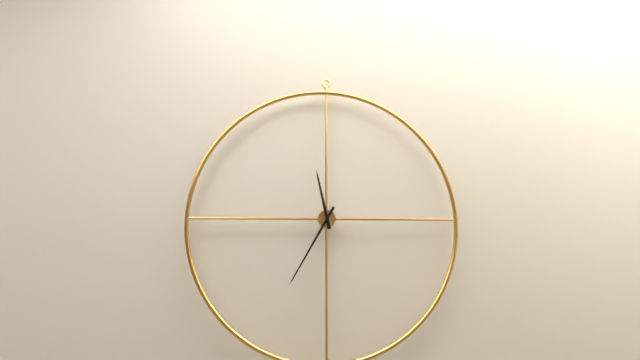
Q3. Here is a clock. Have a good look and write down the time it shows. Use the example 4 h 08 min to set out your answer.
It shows 11 h 35 min
